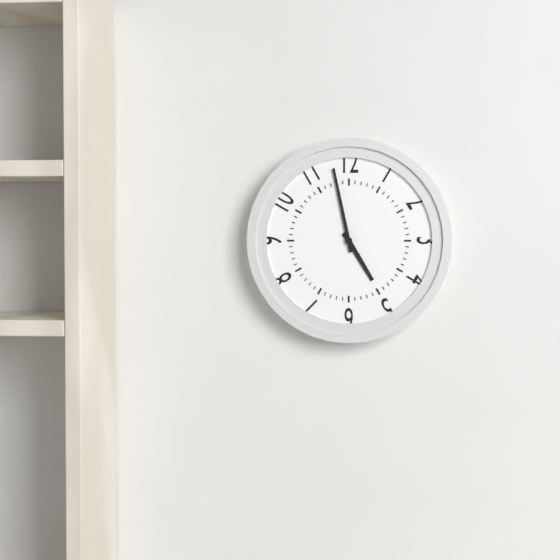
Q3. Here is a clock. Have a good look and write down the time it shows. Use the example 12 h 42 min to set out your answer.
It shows 4 h 58 min
